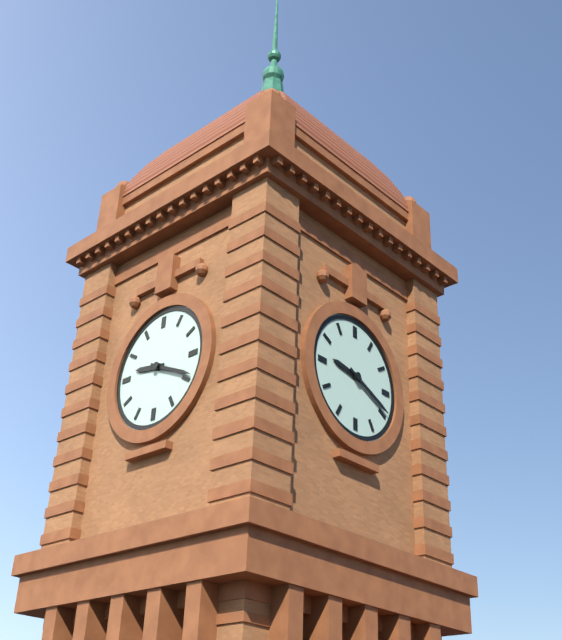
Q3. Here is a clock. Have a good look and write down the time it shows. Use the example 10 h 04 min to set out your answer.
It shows 9 h 19 min
